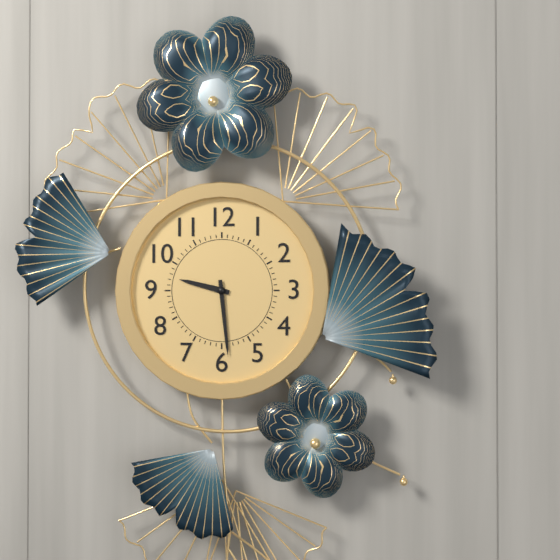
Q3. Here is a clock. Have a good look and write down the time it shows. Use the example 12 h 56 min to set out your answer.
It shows 9 h 29 min
